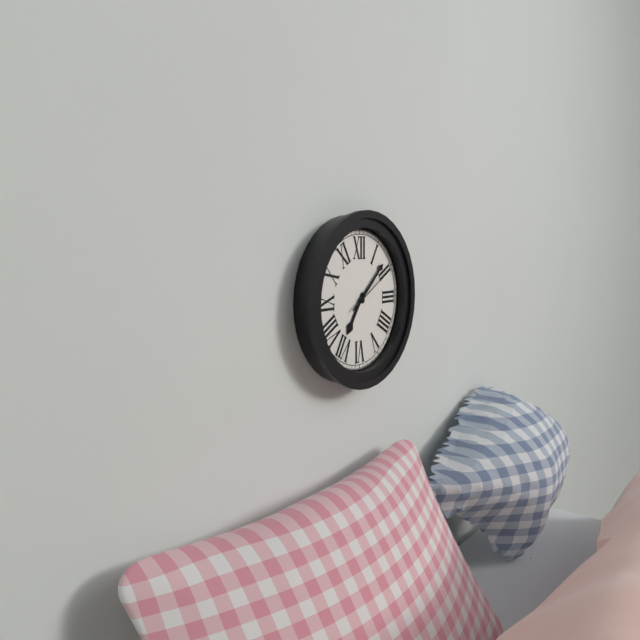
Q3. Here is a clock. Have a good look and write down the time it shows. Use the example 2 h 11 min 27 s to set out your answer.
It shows 7 h 08 min 10 s
